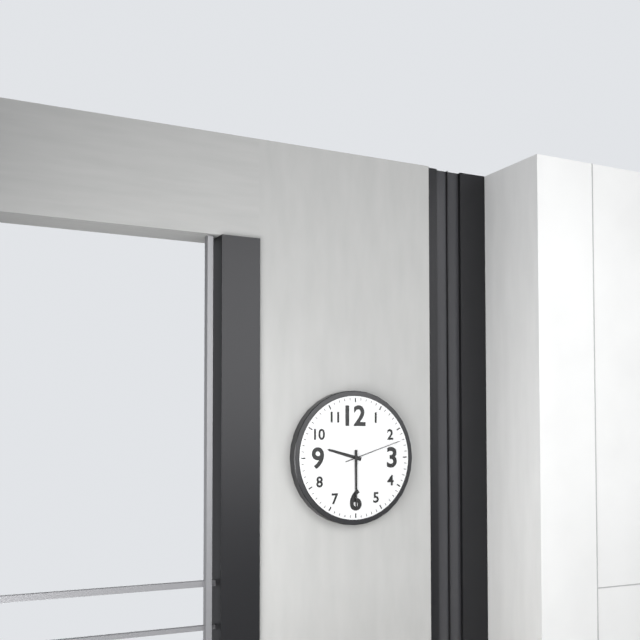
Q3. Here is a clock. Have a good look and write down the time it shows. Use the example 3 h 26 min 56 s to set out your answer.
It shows 9 h 30 min 12 s
